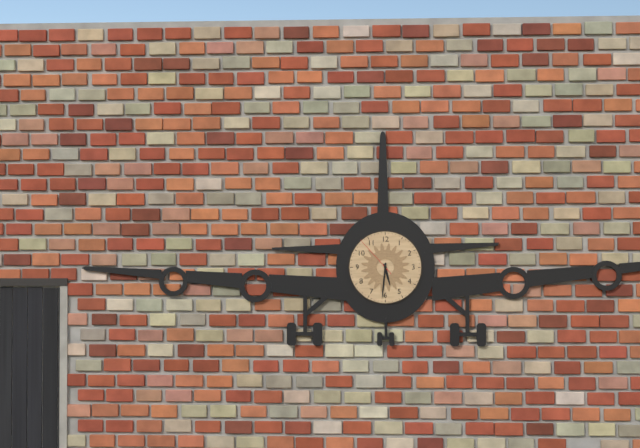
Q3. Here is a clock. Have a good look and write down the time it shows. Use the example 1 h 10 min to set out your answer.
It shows 5 h 31 min
